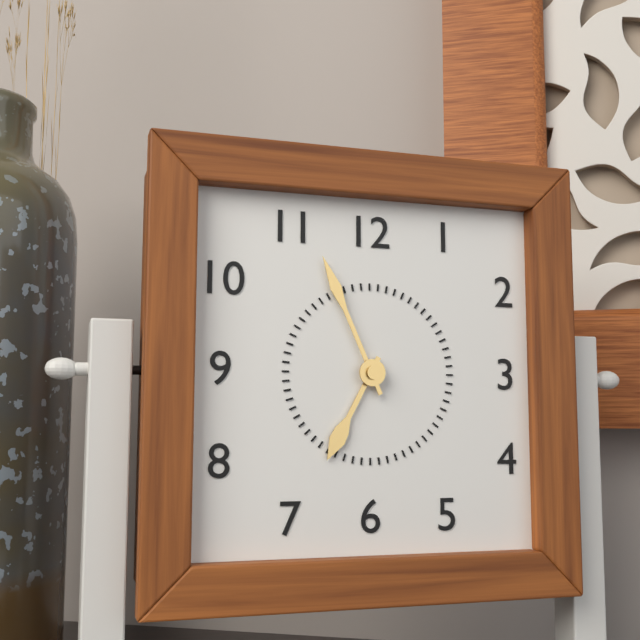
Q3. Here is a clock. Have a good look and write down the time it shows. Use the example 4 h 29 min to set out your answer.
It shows 6 h 56 min
